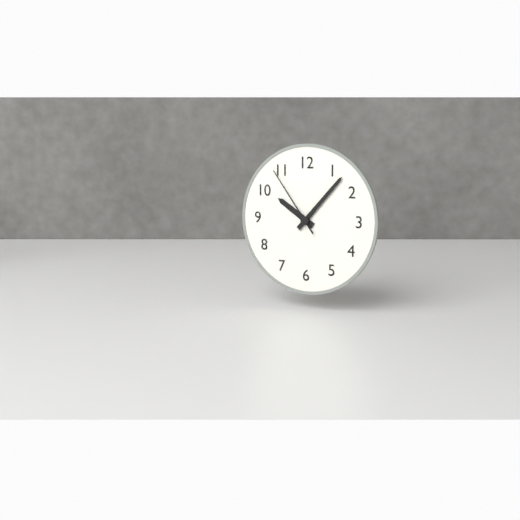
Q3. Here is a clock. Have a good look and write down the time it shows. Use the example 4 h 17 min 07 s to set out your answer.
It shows 10 h 07 min 54 s
